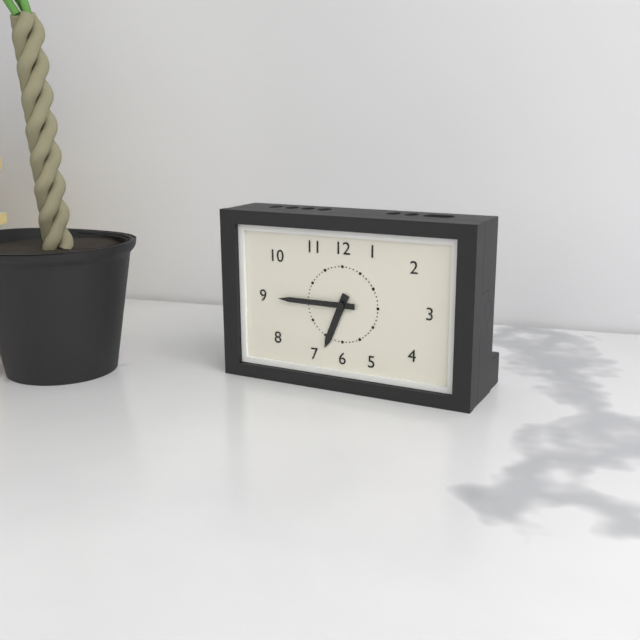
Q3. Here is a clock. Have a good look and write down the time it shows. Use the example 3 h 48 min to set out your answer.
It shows 6 h 45 min
